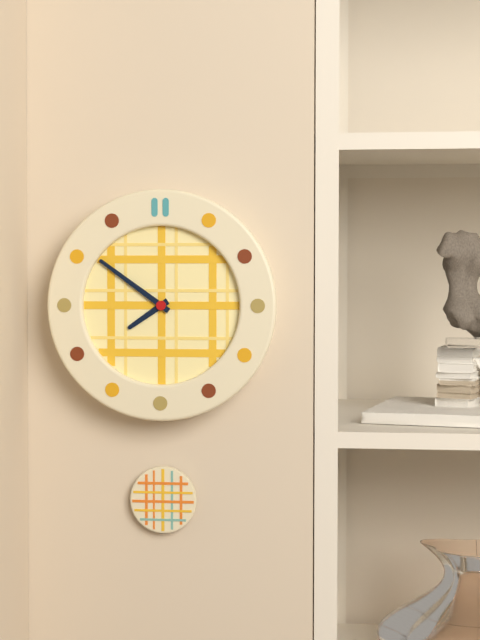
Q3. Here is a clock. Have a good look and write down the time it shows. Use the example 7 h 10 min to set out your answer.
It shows 7 h 51 min
